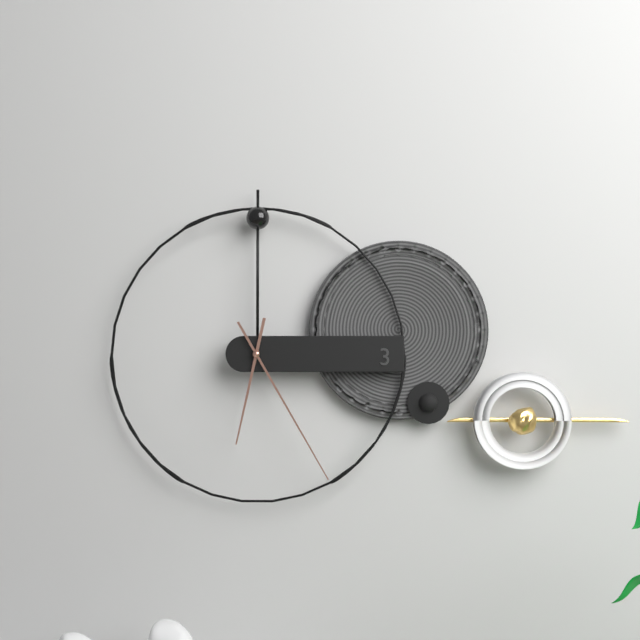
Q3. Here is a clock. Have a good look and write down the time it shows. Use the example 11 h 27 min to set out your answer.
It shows 6 h 25 min
